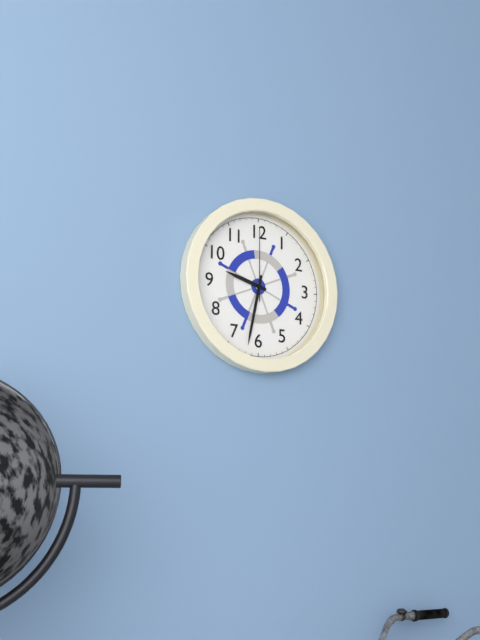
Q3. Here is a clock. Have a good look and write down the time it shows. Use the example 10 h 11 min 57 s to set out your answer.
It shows 9 h 32 min 00 s
